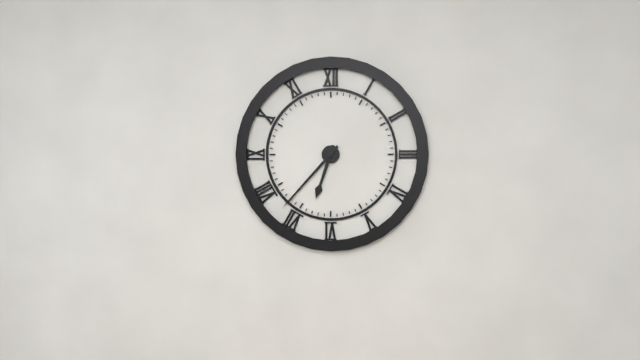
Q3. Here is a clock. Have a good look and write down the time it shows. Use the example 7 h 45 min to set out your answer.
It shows 6 h 37 min
